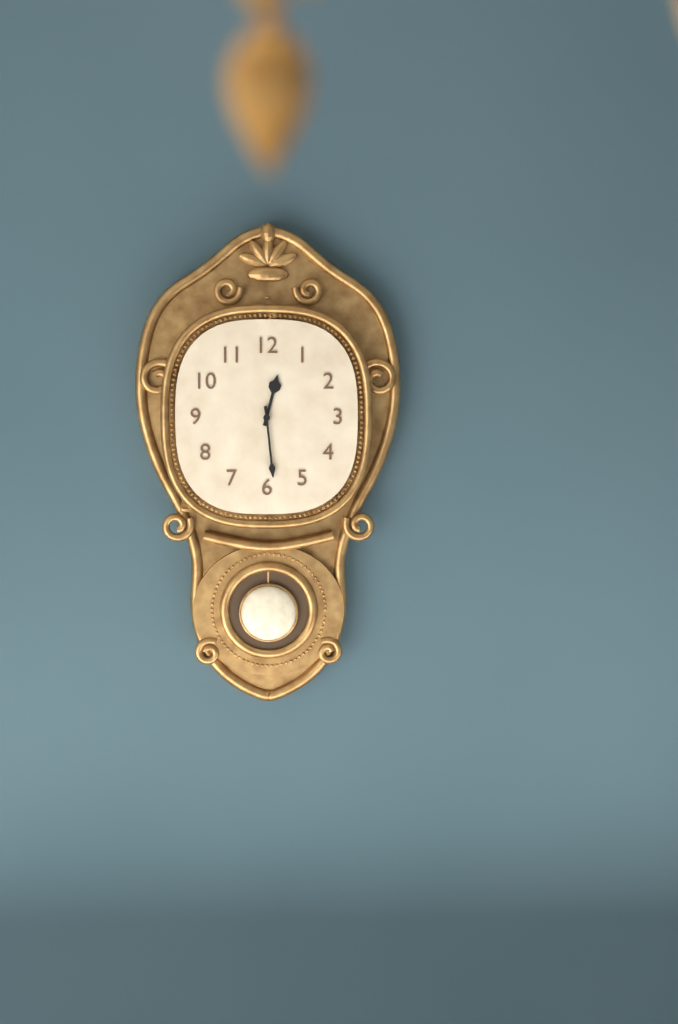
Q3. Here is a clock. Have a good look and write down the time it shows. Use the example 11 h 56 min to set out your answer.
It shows 12 h 29 min
